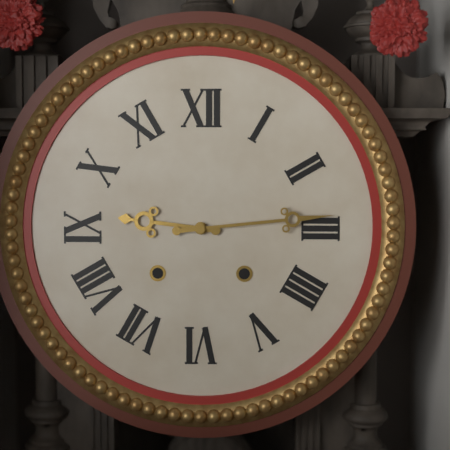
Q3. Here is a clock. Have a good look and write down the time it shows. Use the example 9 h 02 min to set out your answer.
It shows 9 h 14 min
